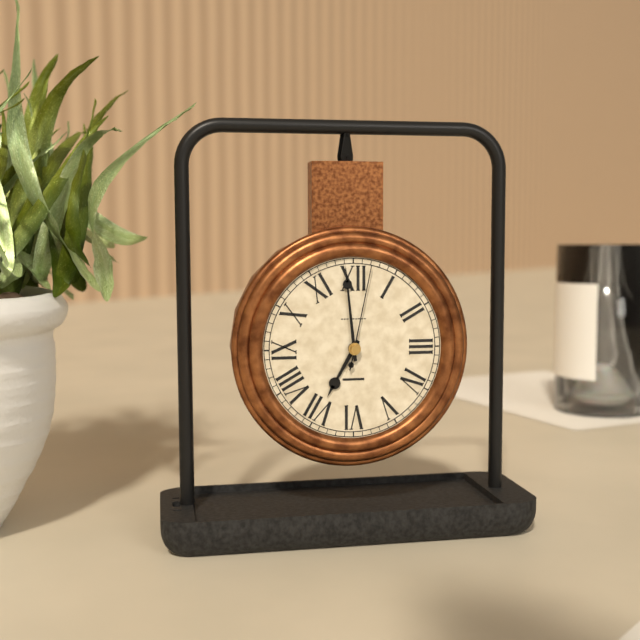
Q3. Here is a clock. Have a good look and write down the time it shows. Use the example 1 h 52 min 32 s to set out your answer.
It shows 6 h 59 min 02 s
